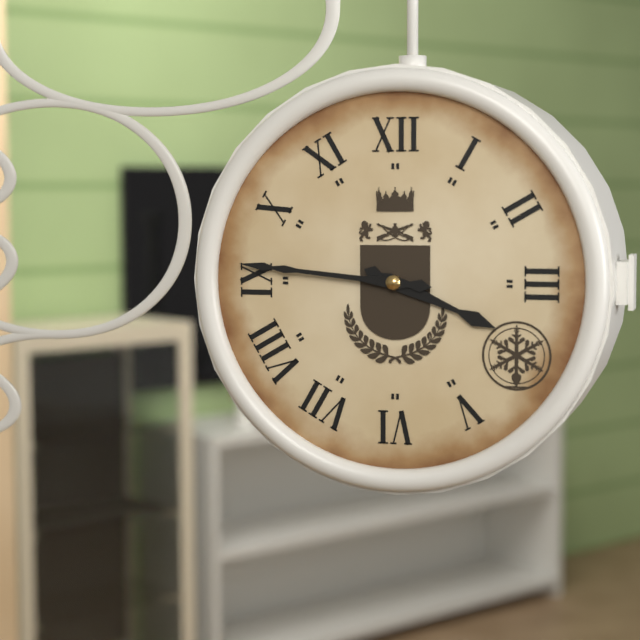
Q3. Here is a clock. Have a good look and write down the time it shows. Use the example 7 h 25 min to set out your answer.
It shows 3 h 46 min
